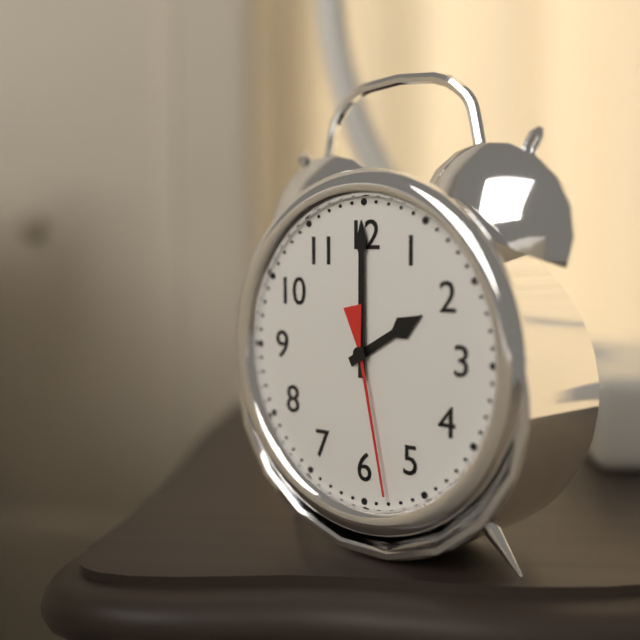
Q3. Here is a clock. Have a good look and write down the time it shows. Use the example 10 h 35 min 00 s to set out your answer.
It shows 2 h 00 min 28 s
